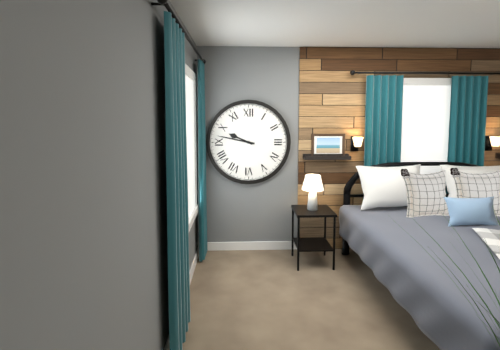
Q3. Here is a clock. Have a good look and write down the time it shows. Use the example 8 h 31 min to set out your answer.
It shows 9 h 47 min
